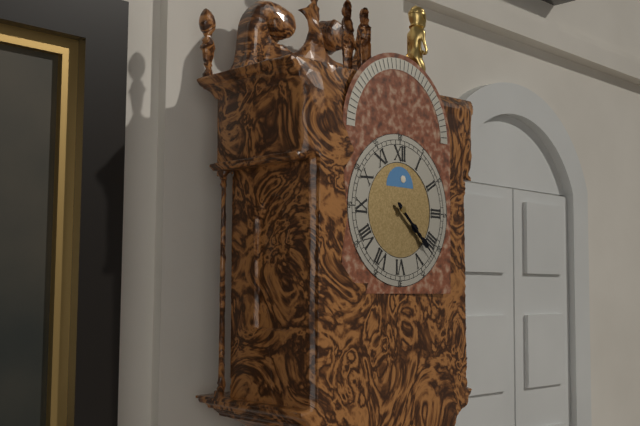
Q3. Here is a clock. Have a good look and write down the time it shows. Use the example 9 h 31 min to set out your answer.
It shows 4 h 22 min
